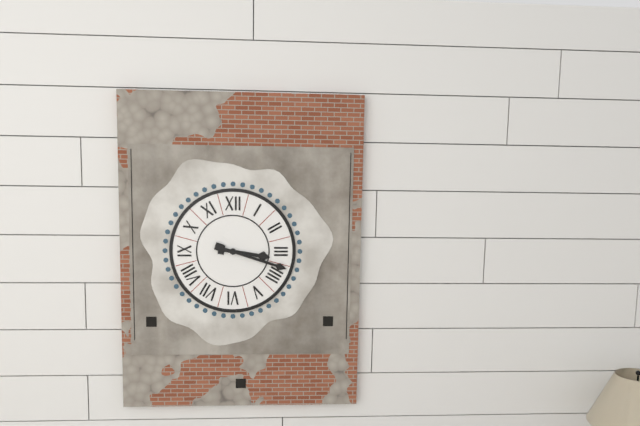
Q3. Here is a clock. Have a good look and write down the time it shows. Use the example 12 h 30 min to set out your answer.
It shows 3 h 18 min
